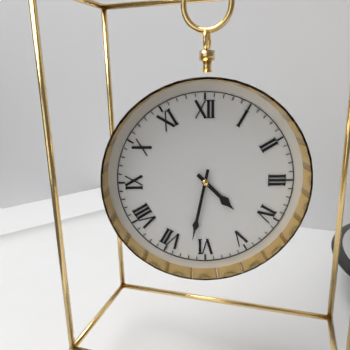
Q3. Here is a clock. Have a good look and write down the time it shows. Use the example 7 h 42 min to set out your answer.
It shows 4 h 32 min
